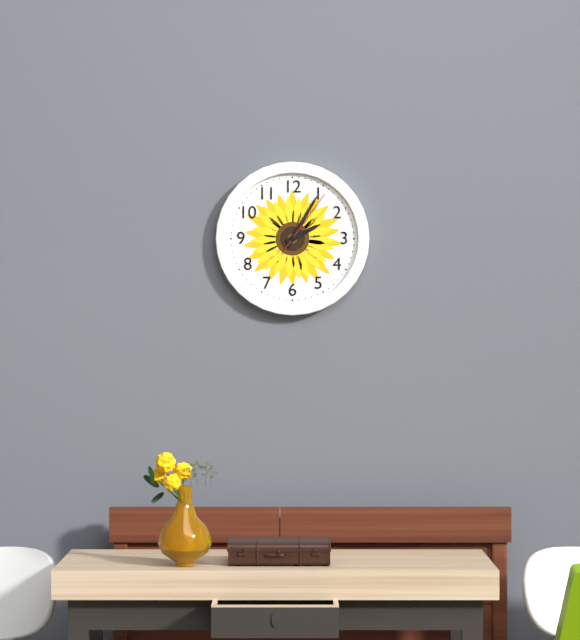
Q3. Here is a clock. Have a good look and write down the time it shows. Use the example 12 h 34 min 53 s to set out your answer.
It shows 2 h 05 min 06 s
